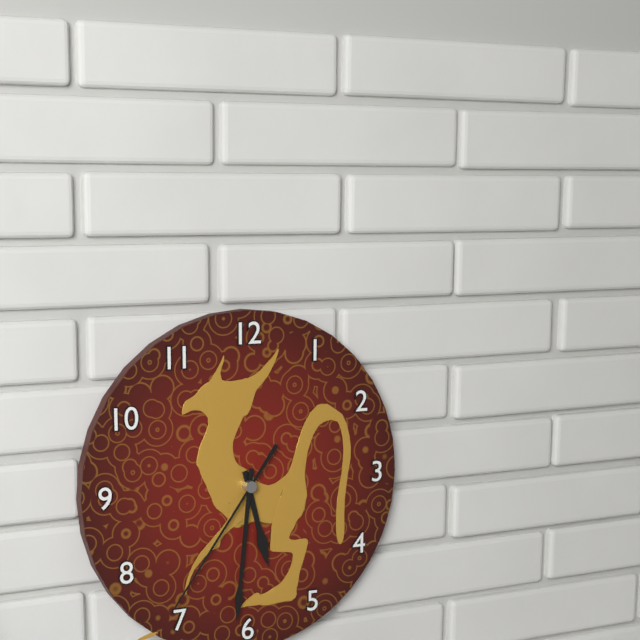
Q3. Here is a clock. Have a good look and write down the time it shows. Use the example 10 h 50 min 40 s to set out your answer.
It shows 5 h 31 min 36 s
